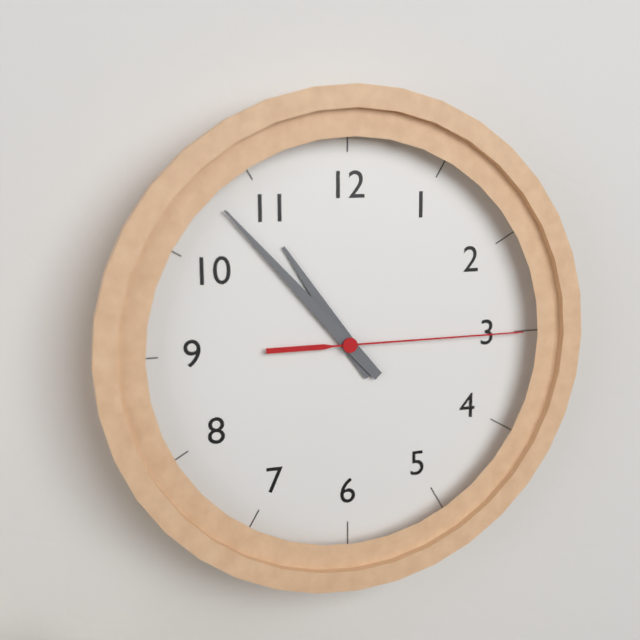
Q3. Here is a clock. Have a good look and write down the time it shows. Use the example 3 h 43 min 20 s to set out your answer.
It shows 10 h 53 min 15 s
